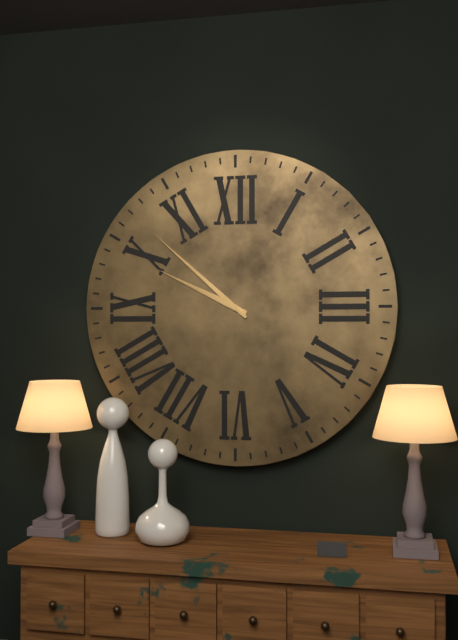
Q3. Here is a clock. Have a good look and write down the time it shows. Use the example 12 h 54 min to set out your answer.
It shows 9 h 52 min
